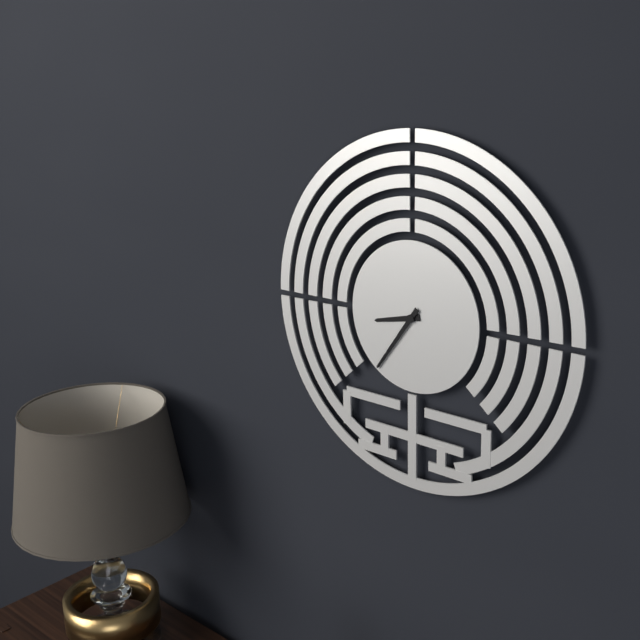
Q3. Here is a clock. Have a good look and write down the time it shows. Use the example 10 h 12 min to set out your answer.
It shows 8 h 36 min
